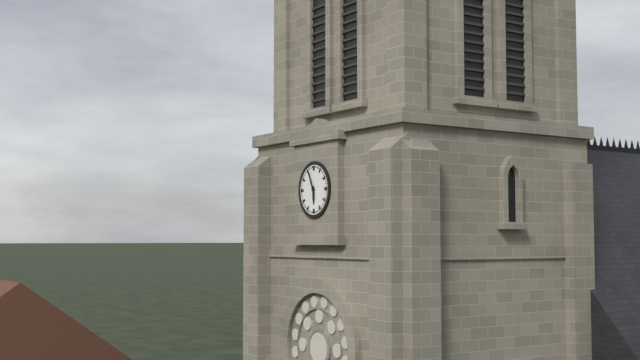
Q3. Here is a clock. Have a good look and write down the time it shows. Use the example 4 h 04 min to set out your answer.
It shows 5 h 56 min
